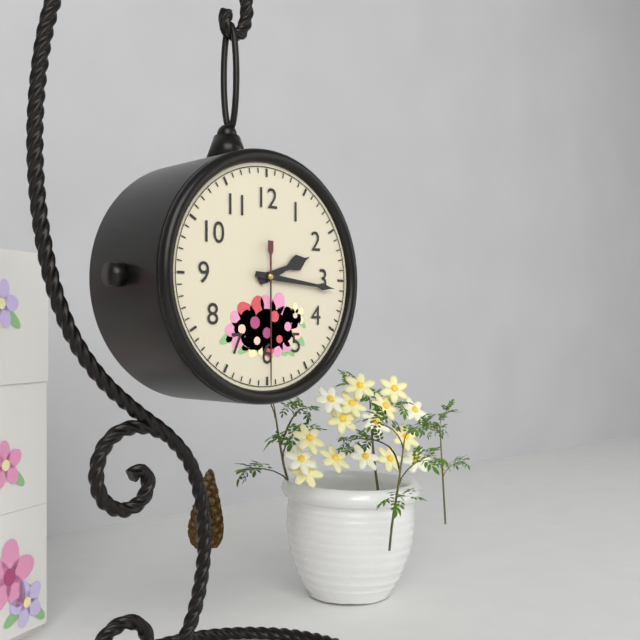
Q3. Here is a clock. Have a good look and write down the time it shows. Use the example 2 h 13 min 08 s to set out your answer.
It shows 2 h 16 min 30 s
